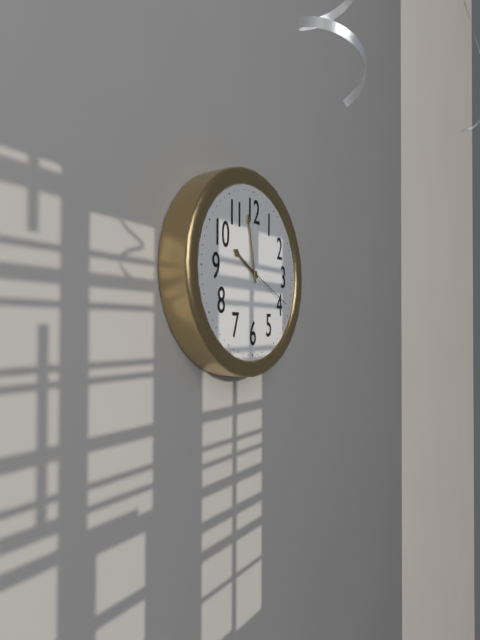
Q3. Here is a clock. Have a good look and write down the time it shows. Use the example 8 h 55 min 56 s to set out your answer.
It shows 9 h 58 min 19 s
